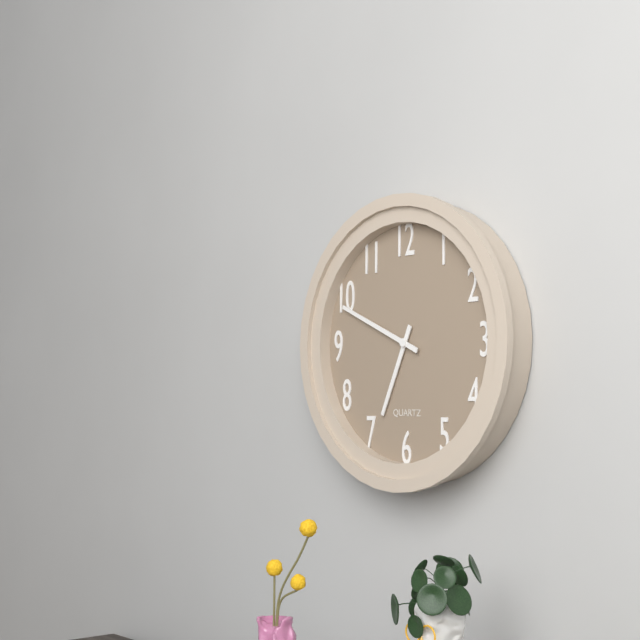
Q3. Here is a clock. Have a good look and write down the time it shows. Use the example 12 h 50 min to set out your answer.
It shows 6 h 49 min
